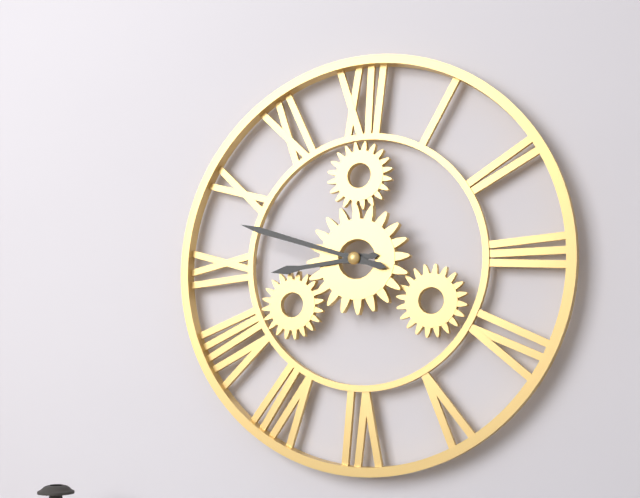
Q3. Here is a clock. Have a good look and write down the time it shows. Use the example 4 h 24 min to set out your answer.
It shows 8 h 48 min
